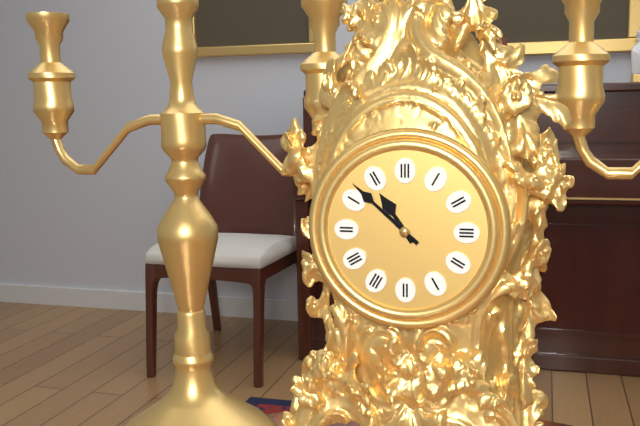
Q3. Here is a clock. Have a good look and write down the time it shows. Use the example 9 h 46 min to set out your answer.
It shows 10 h 52 min
